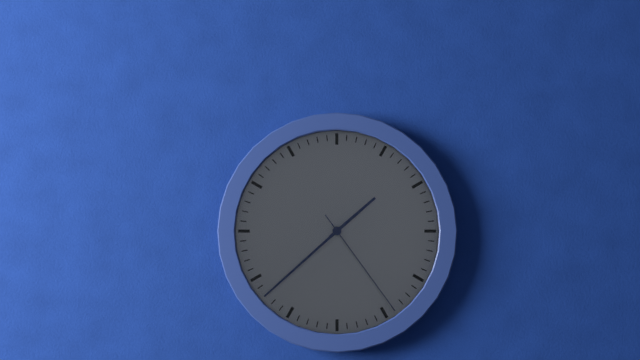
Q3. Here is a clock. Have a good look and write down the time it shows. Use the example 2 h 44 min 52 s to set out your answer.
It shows 1 h 38 min 24 s
